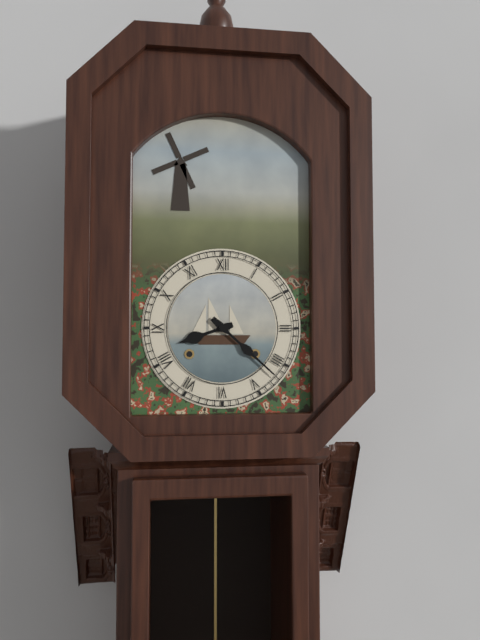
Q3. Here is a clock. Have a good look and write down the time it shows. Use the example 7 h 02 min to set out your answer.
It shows 8 h 22 min
